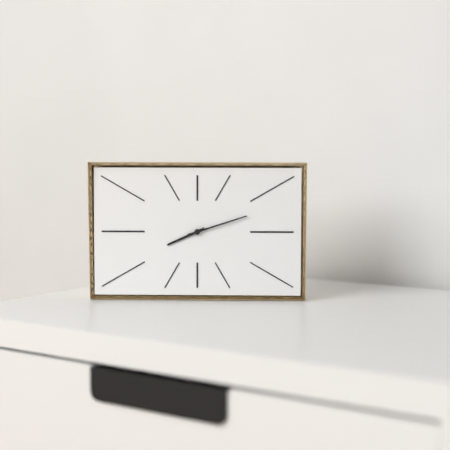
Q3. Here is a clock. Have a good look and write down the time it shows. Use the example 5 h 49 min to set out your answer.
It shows 8 h 12 min
